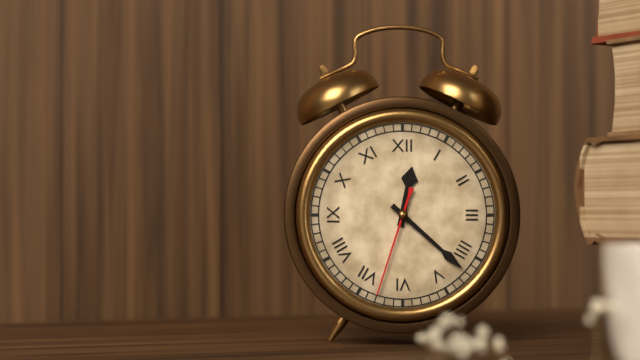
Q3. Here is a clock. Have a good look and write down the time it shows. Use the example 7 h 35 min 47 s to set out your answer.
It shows 12 h 22 min 33 s
